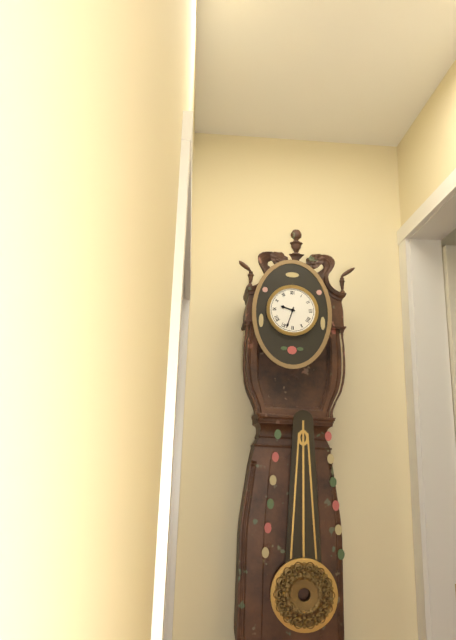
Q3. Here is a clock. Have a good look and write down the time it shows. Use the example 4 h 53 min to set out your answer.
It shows 9 h 33 min
